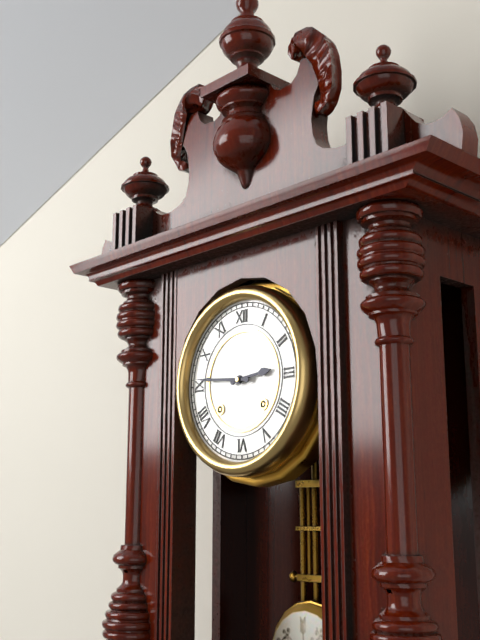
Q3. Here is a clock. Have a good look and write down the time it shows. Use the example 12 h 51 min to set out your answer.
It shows 2 h 46 min
